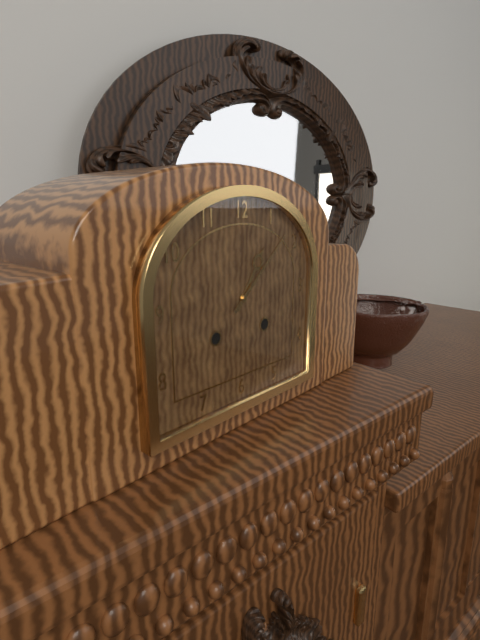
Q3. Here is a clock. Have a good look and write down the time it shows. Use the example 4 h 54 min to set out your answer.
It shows 1 h 08 min
